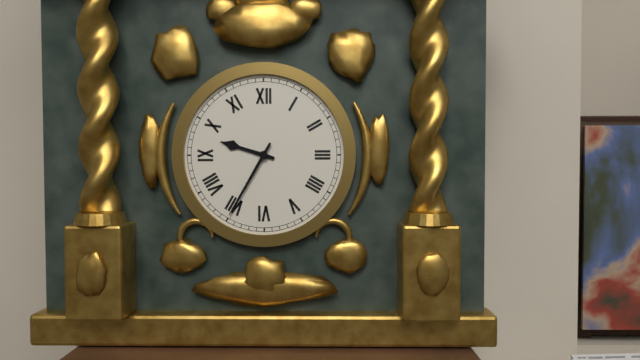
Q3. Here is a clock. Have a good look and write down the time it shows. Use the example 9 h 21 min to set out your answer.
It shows 9 h 35 min
